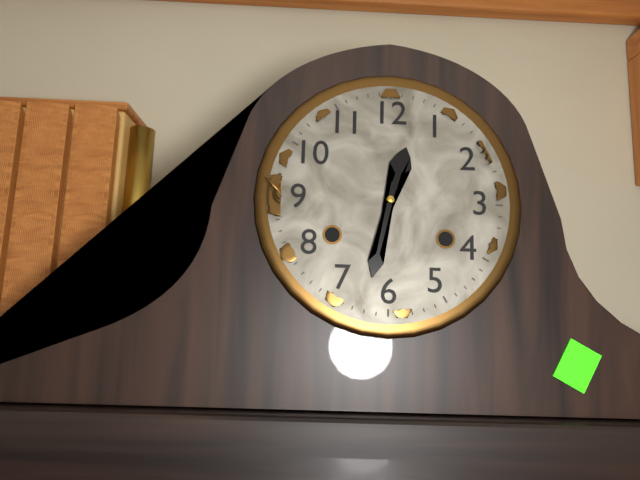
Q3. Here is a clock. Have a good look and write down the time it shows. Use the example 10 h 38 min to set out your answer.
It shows 12 h 32 min
